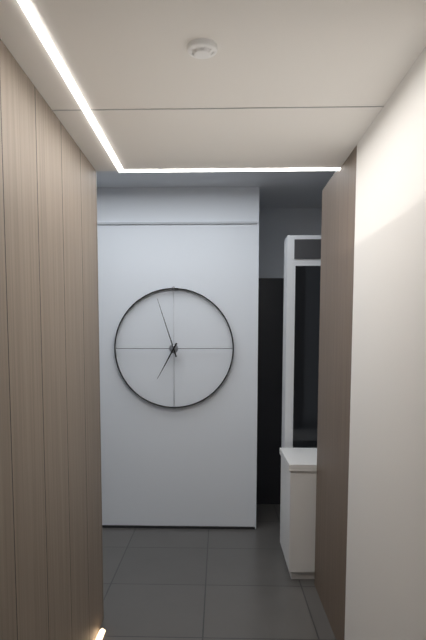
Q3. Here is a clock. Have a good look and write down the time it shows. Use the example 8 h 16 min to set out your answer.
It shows 6 h 57 min
